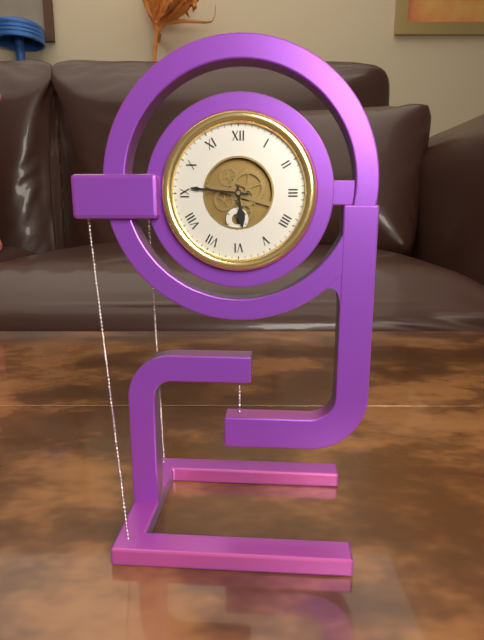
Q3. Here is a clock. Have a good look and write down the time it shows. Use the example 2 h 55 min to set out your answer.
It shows 5 h 46 min
